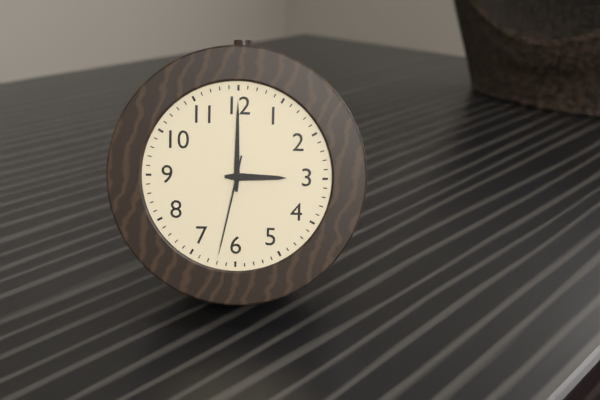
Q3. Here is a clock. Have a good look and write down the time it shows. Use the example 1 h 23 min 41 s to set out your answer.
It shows 3 h 00 min 32 s
